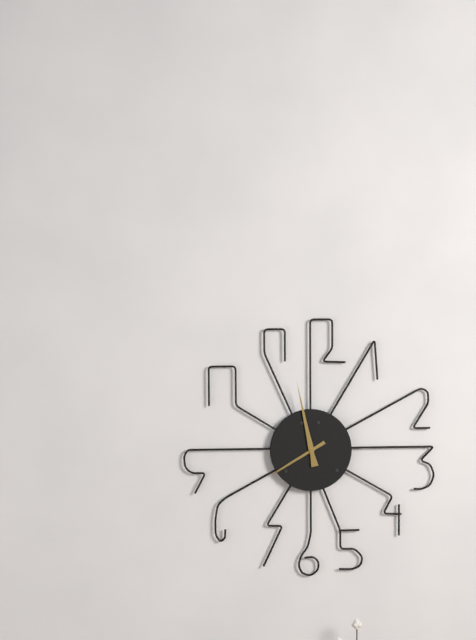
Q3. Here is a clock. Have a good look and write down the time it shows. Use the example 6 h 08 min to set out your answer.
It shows 7 h 58 min
